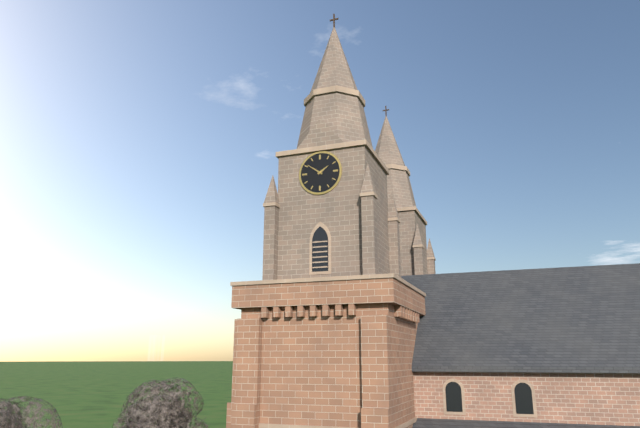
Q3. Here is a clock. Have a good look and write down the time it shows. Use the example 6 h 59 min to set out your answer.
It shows 1 h 51 min
